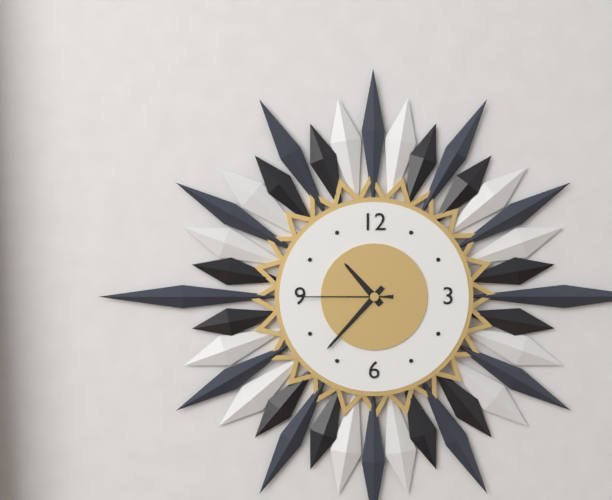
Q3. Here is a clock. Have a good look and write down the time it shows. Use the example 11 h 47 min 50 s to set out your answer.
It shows 10 h 37 min 45 s
